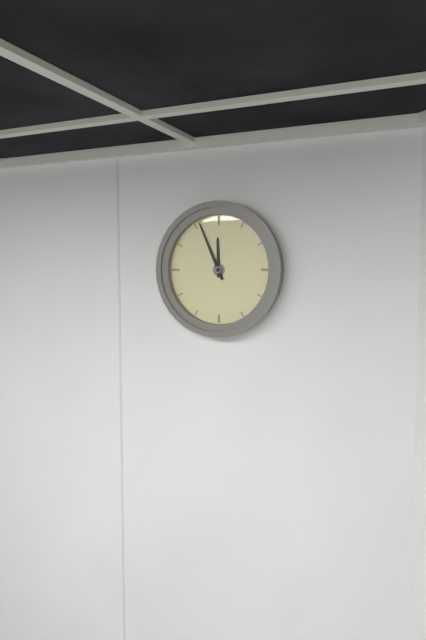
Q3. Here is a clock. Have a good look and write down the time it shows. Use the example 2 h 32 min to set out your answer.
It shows 11 h 56 min
